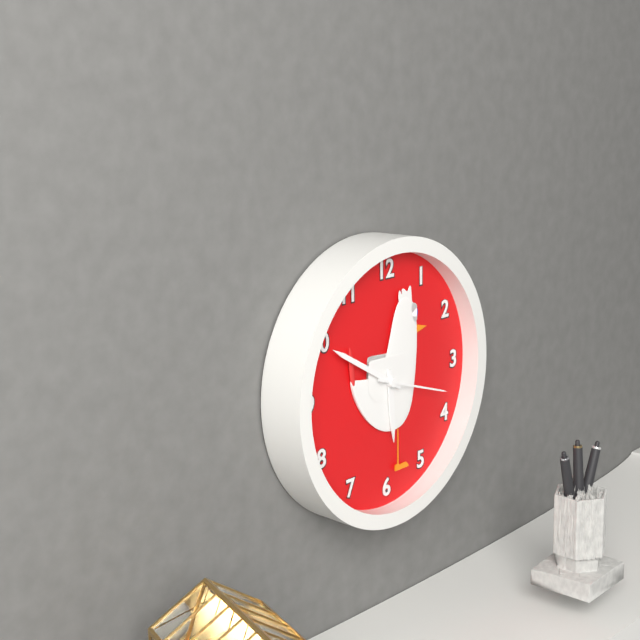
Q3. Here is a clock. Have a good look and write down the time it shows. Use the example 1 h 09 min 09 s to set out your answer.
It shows 5 h 50 min 18 s
